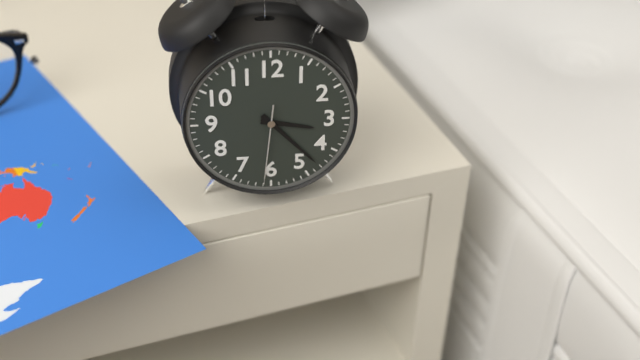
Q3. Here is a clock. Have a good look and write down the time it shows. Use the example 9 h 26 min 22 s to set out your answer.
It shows 3 h 23 min 31 s
